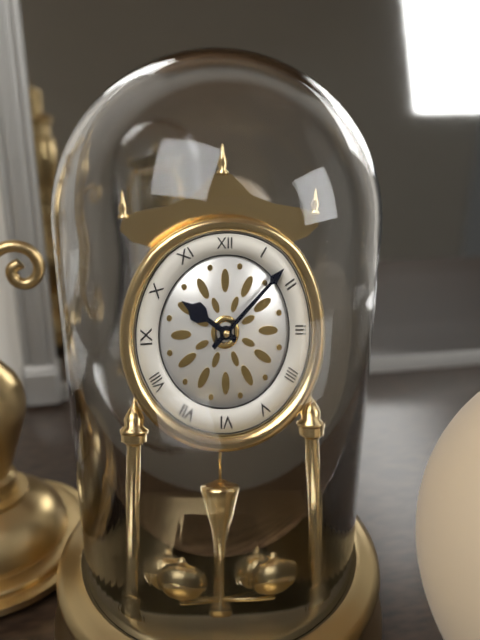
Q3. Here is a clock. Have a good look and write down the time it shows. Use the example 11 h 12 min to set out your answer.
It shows 10 h 08 min
